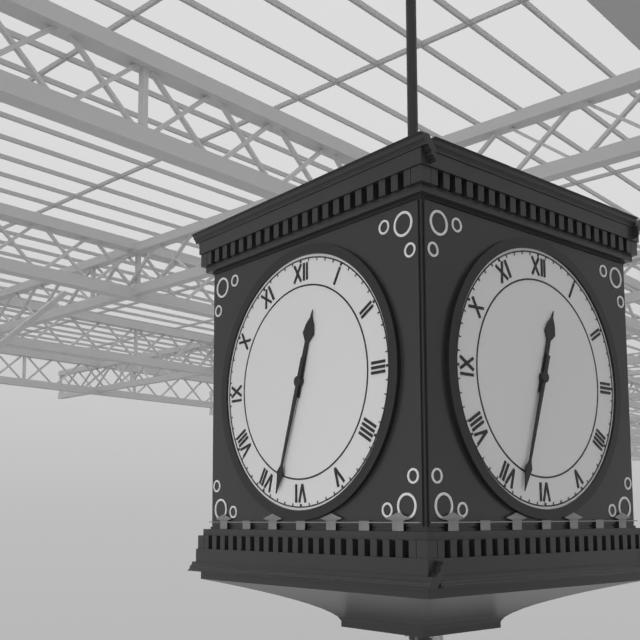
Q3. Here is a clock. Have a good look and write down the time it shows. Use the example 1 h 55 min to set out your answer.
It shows 12 h 33 min
